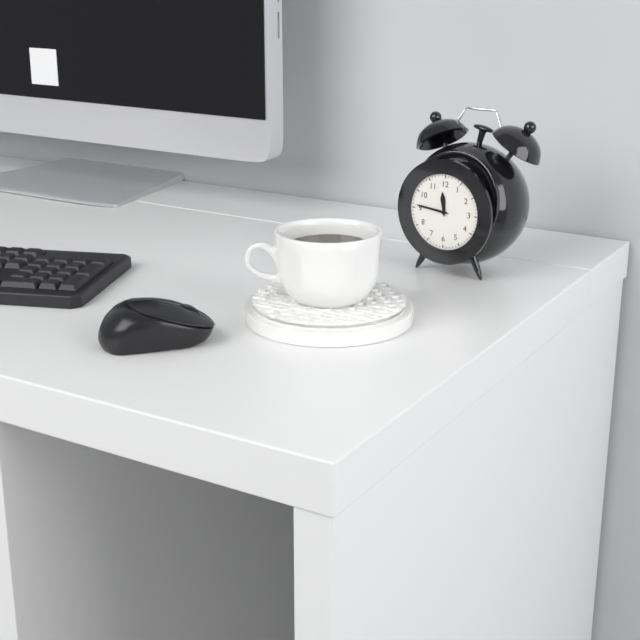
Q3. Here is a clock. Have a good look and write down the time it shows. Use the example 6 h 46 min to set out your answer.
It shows 11 h 46 min
